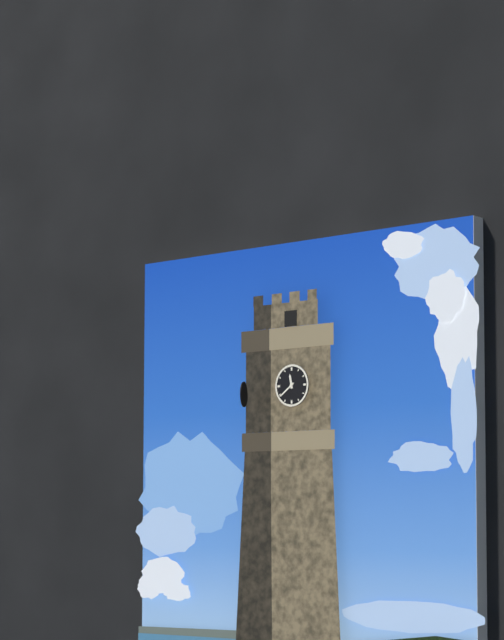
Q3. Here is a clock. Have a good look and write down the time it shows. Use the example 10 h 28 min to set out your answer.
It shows 11 h 39 min
